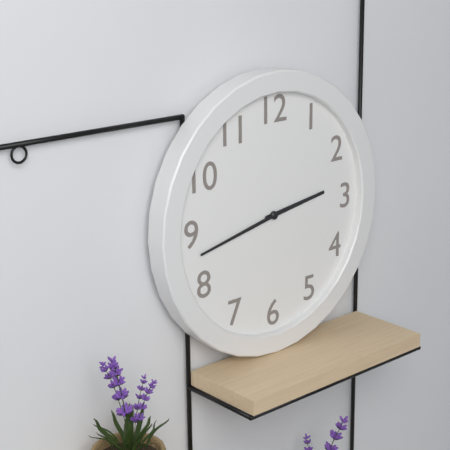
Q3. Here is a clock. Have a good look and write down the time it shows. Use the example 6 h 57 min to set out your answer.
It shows 2 h 43 min
